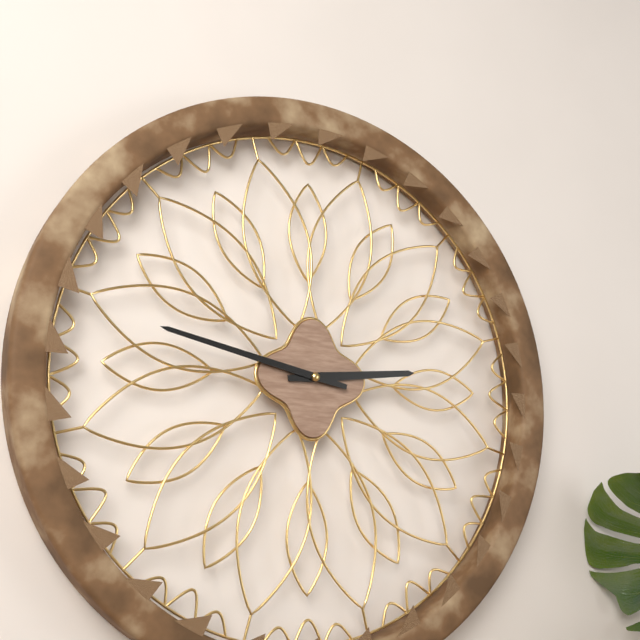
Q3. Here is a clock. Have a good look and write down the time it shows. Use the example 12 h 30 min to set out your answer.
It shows 2 h 47 min
